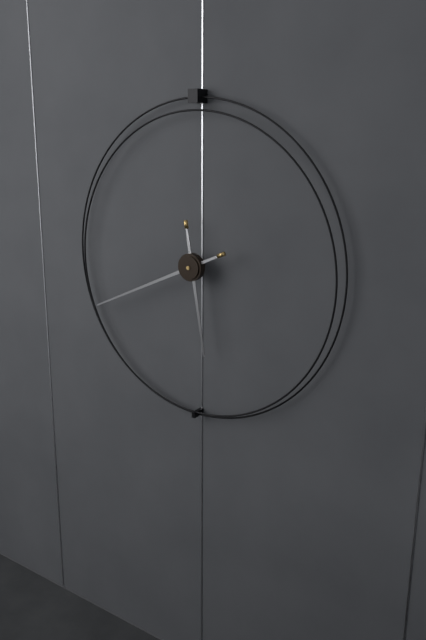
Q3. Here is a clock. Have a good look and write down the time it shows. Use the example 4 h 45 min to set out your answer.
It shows 5 h 41 min
